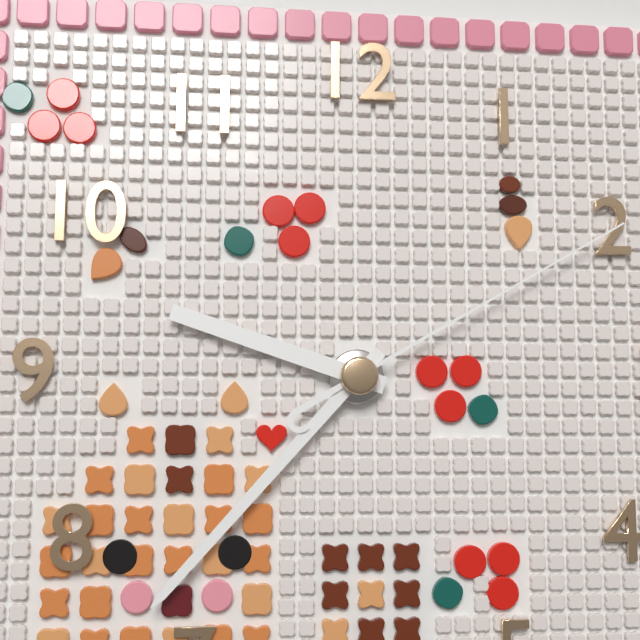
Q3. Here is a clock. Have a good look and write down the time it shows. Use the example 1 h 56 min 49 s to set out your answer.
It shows 9 h 37 min 10 s
